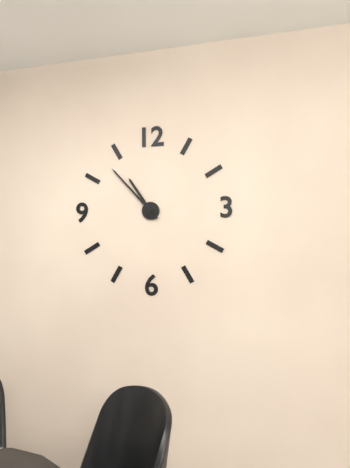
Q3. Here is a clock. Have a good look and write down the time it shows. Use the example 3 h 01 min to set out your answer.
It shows 10 h 53 min
